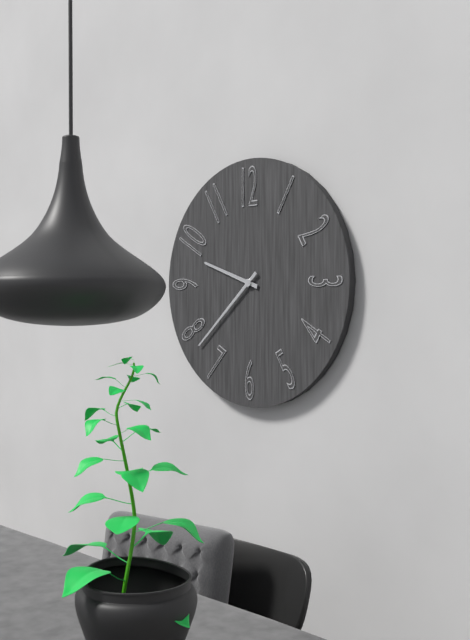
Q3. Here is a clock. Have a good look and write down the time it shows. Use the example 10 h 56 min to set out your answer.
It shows 9 h 38 min
